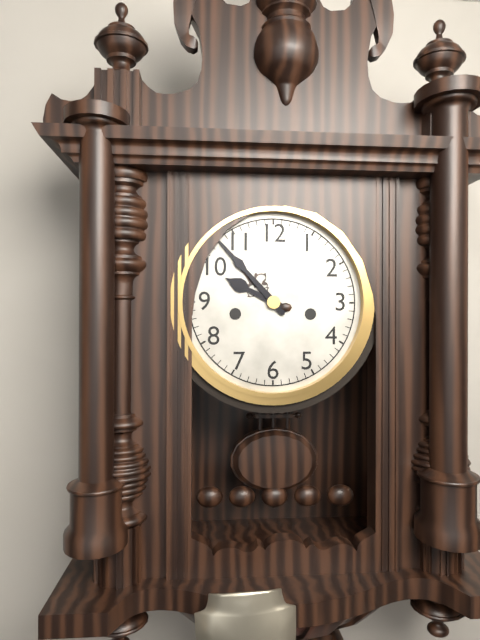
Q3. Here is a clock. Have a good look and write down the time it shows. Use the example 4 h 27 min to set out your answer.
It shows 9 h 53 min
